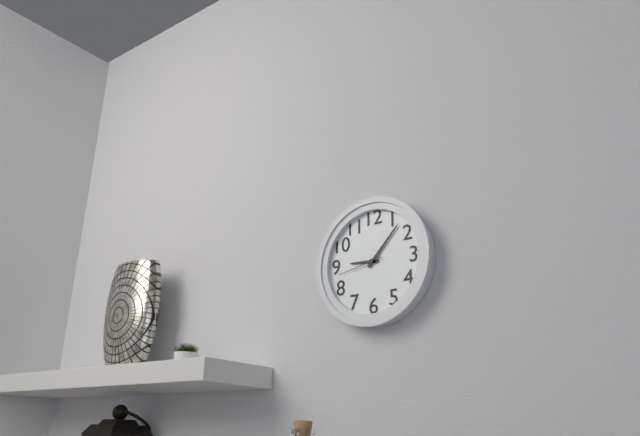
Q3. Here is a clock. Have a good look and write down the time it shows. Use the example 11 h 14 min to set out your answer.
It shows 9 h 07 min
